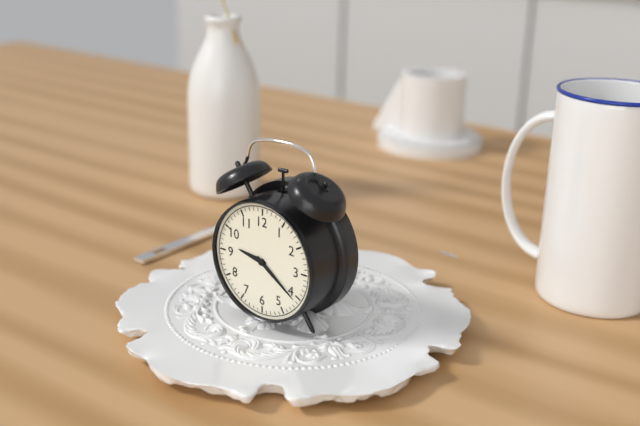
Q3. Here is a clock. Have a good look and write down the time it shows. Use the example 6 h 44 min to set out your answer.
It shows 9 h 21 min
